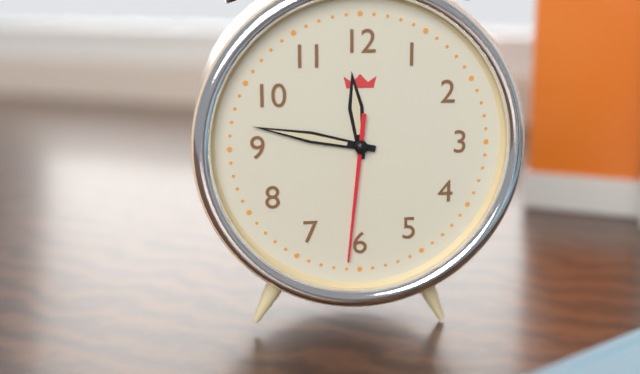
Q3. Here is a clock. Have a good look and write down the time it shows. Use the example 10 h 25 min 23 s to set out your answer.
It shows 11 h 47 min 31 s
